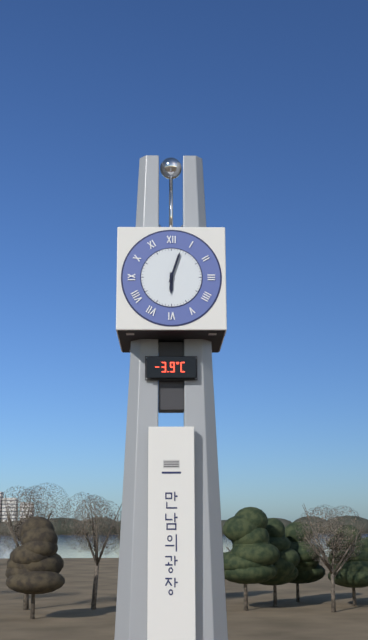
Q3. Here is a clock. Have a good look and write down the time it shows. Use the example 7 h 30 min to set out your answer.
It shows 6 h 03 min
